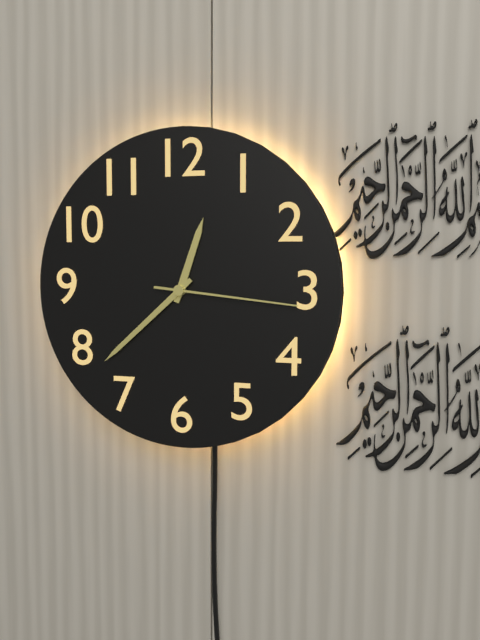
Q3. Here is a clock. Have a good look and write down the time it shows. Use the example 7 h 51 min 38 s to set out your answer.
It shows 12 h 38 min 16 s
